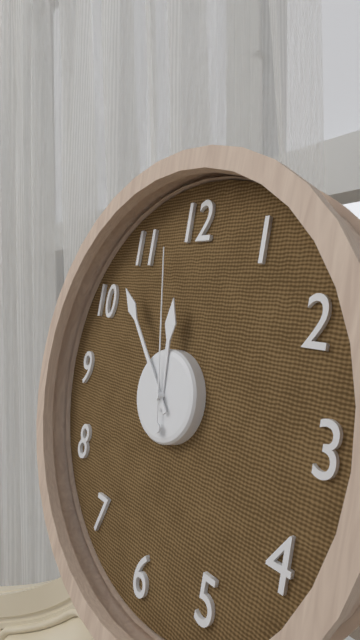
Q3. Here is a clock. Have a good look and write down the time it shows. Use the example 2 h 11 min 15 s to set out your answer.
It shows 11 h 53 min 58 s
